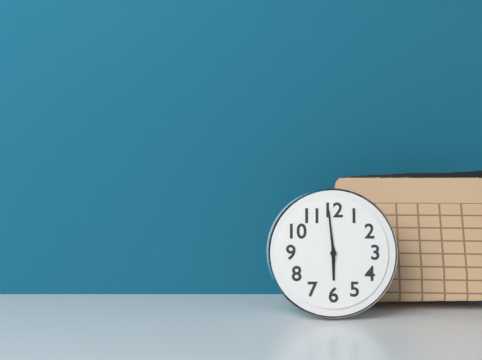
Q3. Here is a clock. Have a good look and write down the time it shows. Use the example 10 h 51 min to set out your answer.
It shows 5 h 59 min
